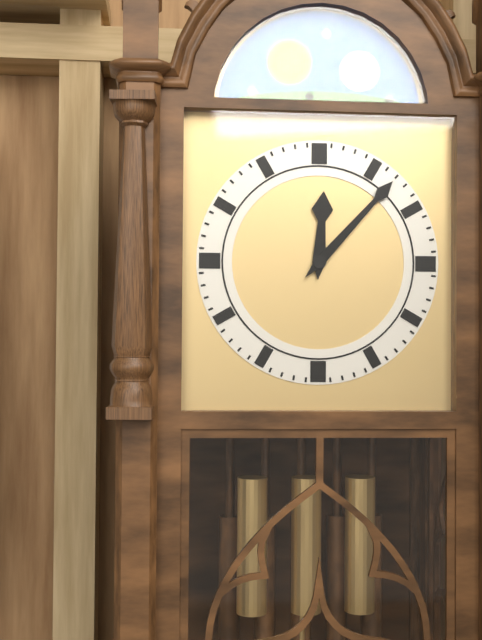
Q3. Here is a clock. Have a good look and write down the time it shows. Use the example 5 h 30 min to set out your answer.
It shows 12 h 07 min
